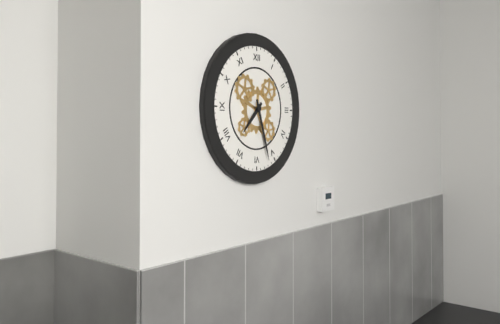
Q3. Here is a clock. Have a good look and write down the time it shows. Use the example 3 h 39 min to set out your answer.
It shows 7 h 27 min
